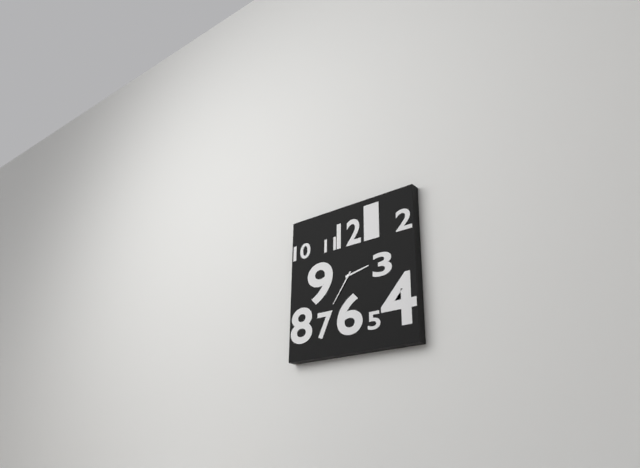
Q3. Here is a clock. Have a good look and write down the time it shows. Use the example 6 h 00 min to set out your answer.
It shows 2 h 36 min
